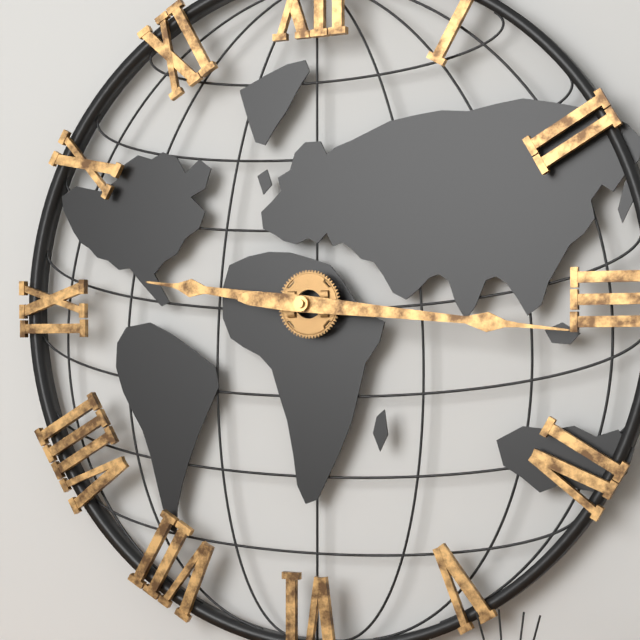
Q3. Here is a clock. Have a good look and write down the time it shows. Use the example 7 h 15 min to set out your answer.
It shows 9 h 16 min
